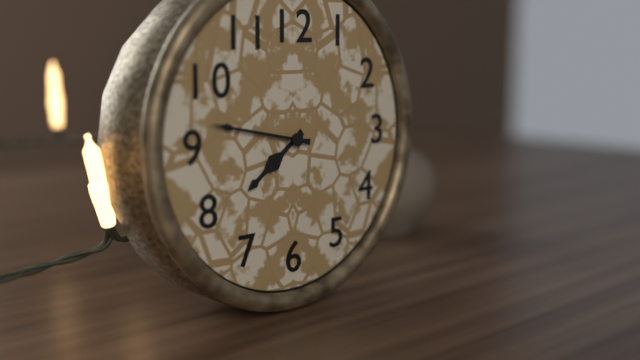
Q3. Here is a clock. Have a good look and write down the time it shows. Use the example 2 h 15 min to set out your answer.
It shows 7 h 47 min
